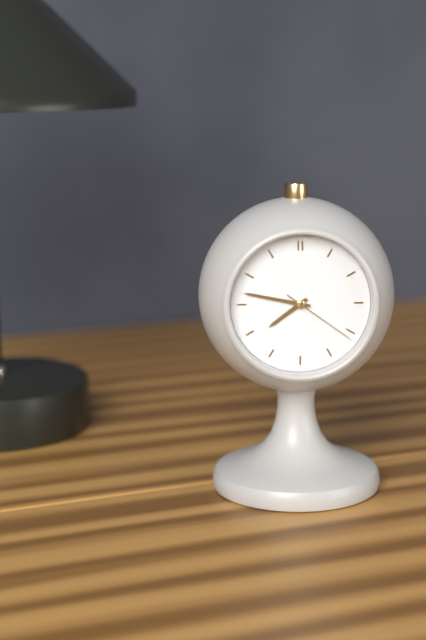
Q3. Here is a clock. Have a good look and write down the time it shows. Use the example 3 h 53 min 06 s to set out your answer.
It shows 7 h 47 min 21 s
